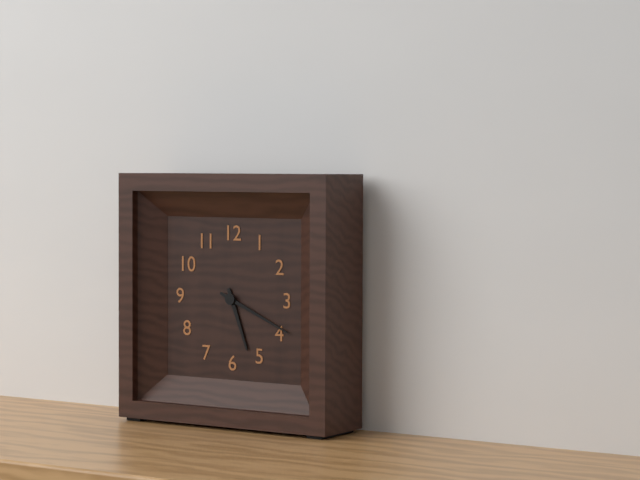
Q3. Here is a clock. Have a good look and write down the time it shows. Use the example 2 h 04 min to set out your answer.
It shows 5 h 19 min
